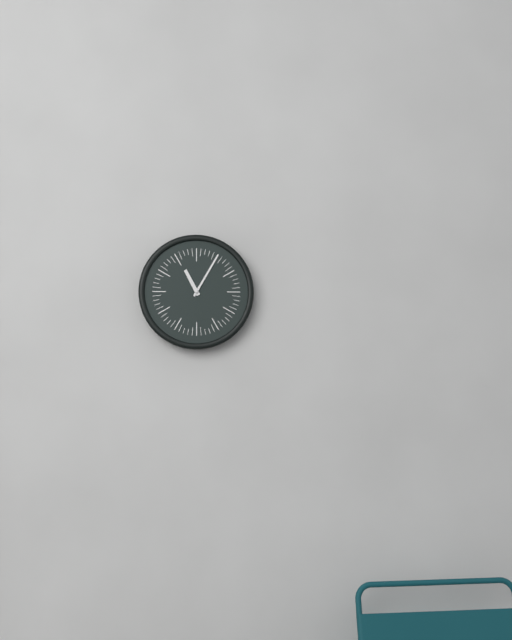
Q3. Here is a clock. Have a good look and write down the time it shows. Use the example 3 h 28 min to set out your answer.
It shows 11 h 05 min
